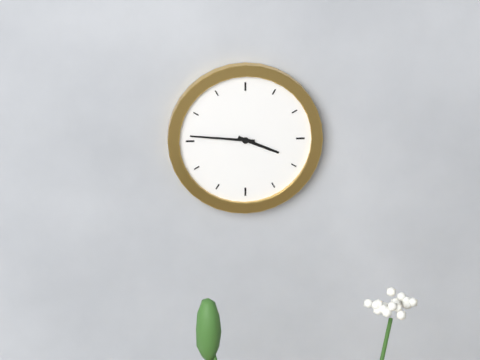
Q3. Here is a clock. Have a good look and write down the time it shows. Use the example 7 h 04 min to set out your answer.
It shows 3 h 46 min
